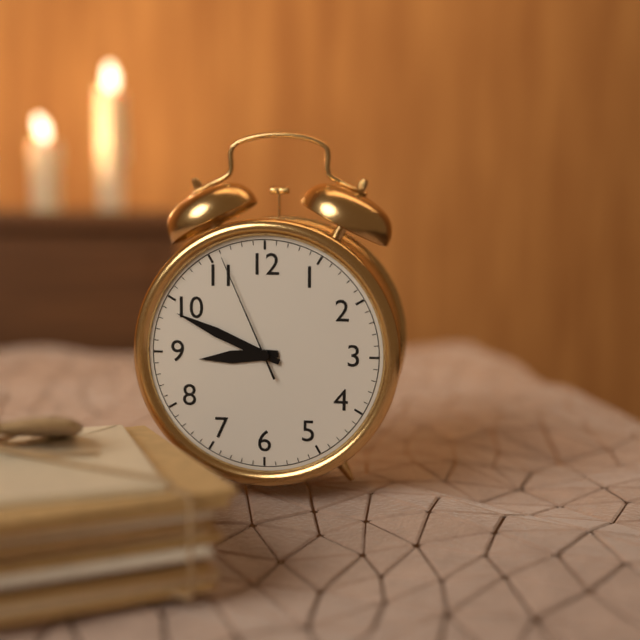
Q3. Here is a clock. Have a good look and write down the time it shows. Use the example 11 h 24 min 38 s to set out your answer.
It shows 8 h 49 min 56 s
